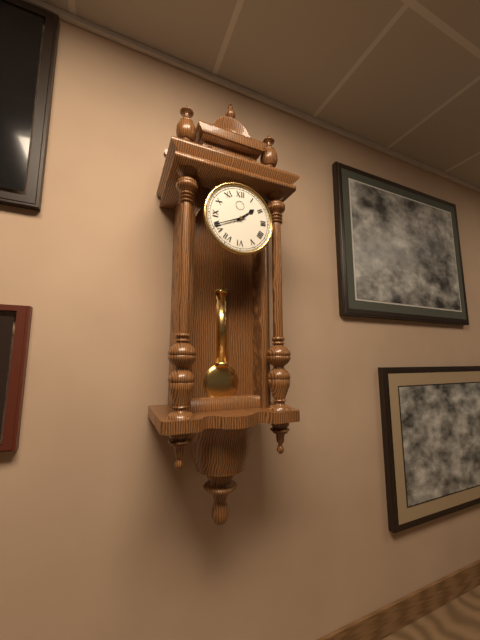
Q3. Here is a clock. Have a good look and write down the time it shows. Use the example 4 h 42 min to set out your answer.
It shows 1 h 41 min
